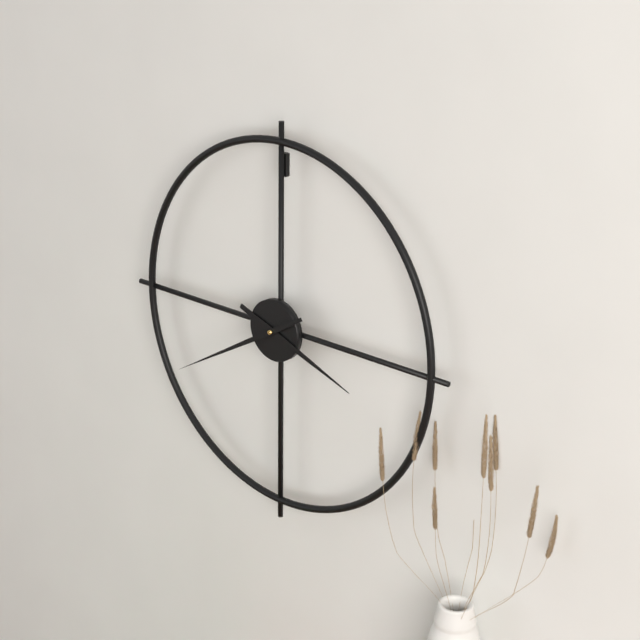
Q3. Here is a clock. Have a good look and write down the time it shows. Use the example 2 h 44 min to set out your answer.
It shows 3 h 40 min
